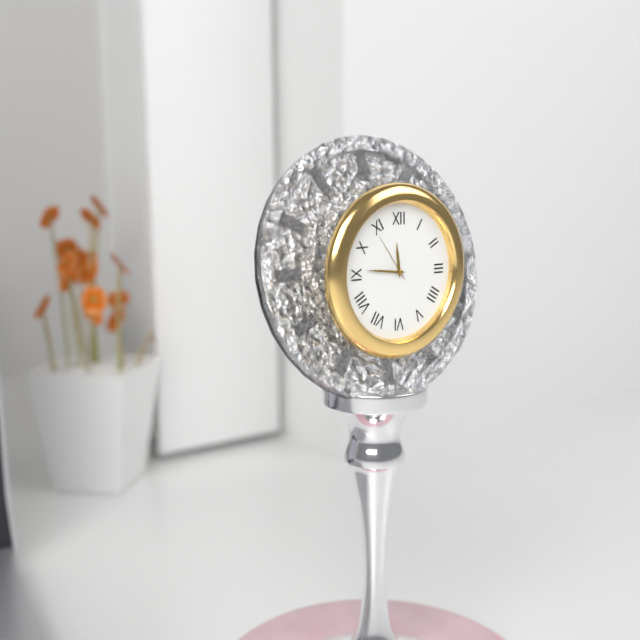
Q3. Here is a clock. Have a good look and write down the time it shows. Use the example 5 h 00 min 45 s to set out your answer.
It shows 11 h 46 min 54 s
